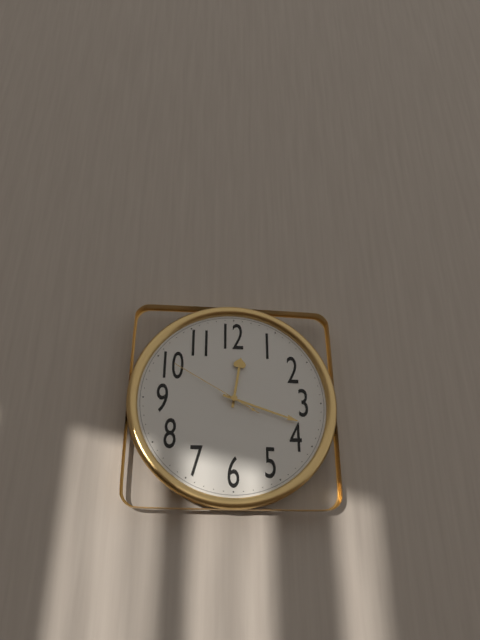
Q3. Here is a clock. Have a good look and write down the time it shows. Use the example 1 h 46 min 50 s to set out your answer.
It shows 12 h 18 min 50 s
